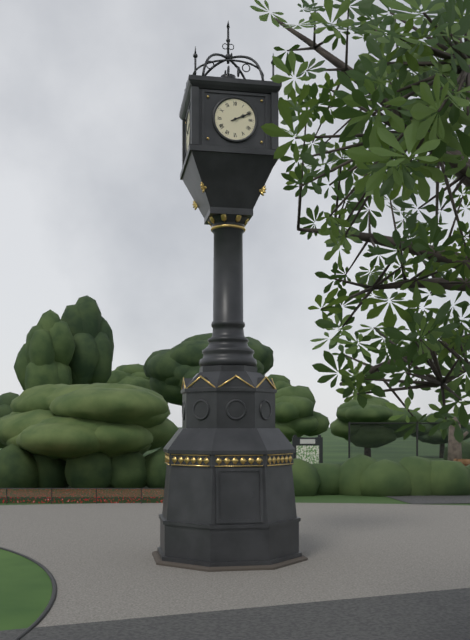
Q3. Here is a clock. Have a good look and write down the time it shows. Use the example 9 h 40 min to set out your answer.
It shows 2 h 11 min
